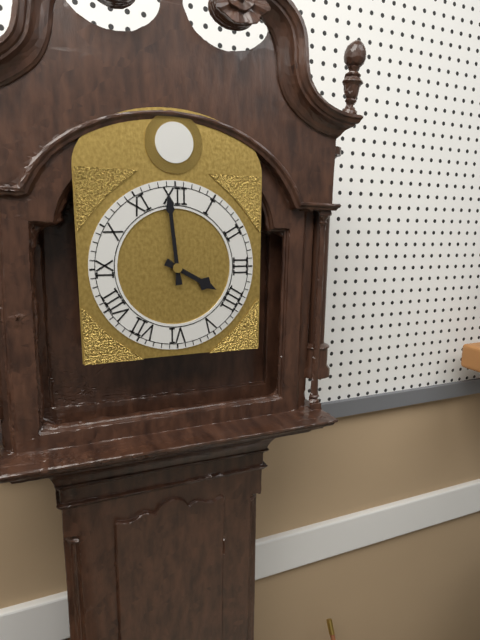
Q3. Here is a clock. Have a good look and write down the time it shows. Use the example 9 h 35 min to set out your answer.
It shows 3 h 59 min
